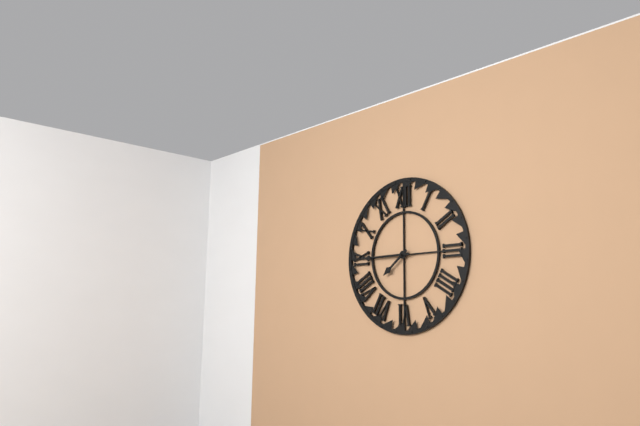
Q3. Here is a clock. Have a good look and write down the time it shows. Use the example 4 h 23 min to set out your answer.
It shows 7 h 45 min
